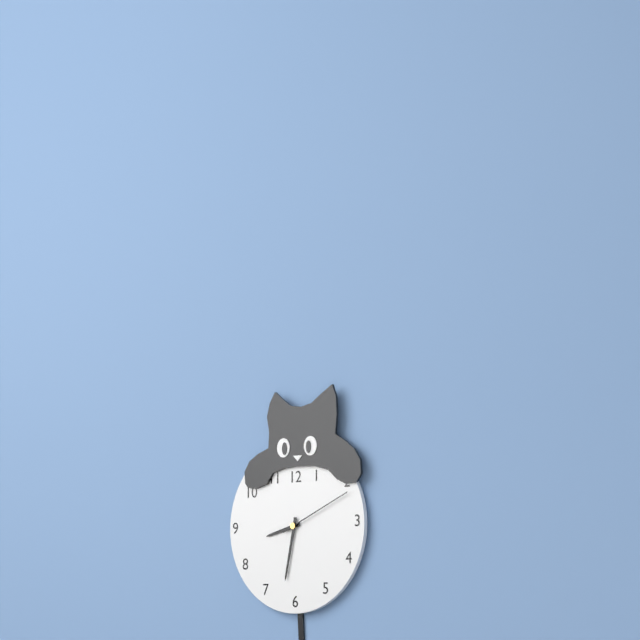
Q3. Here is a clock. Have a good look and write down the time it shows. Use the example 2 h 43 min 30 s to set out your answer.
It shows 8 h 32 min 11 s
